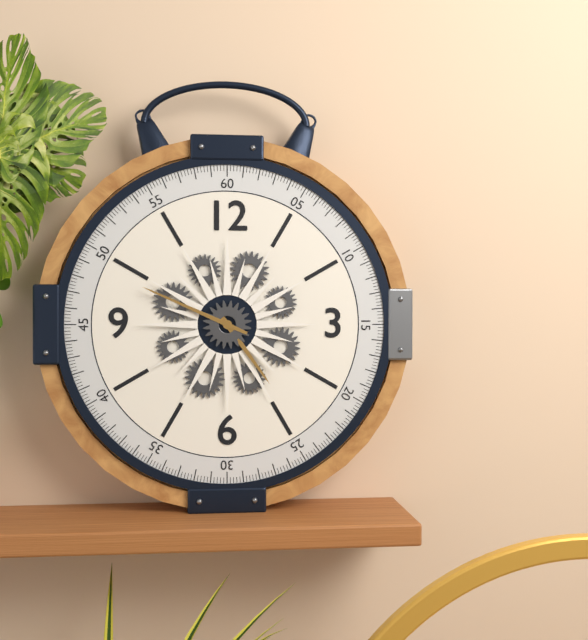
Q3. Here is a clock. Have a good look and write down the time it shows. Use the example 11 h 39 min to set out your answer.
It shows 4 h 49 min
